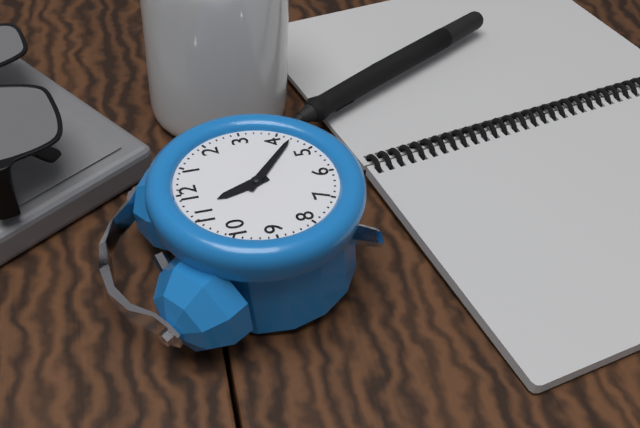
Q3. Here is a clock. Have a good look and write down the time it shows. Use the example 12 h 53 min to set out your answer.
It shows 11 h 22 min
